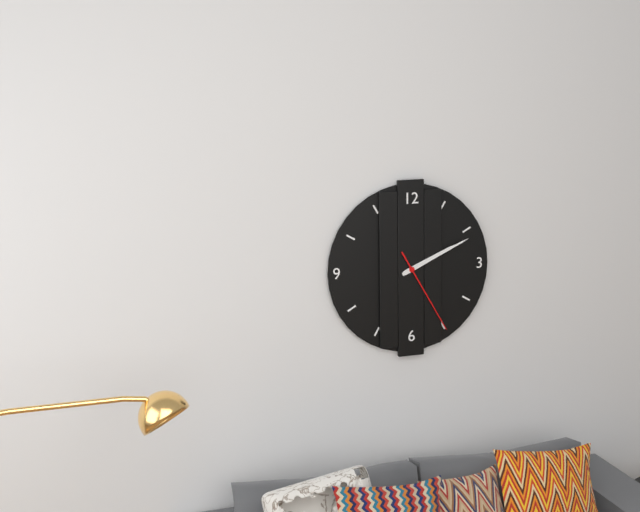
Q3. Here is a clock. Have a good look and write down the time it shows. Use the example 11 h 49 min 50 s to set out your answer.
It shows 2 h 11 min 25 s
